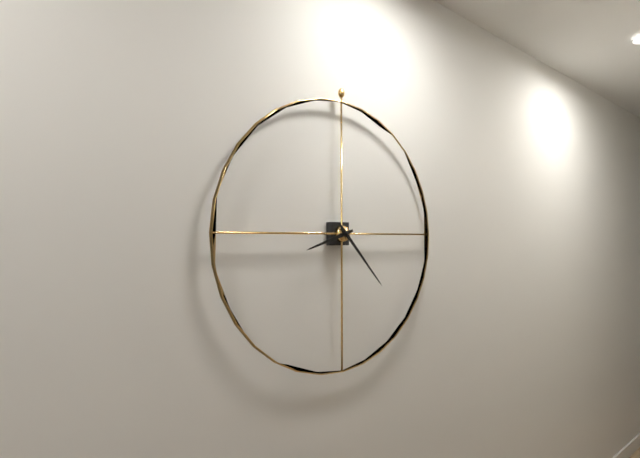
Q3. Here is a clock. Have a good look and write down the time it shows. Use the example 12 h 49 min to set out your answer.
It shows 8 h 23 min
